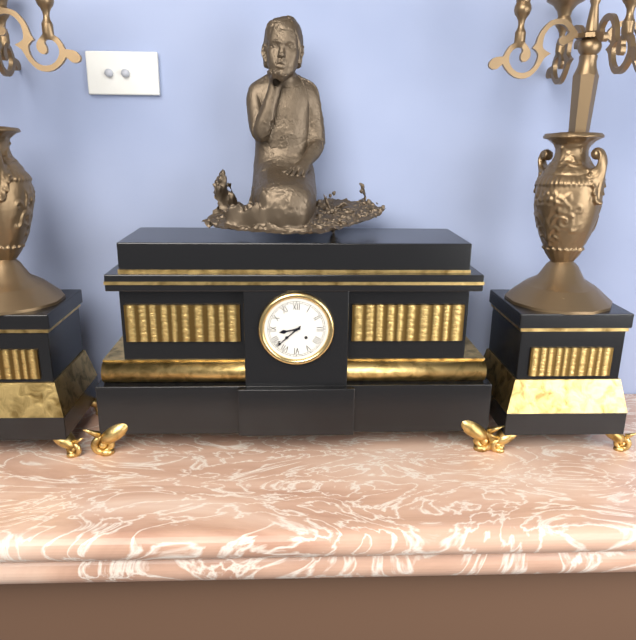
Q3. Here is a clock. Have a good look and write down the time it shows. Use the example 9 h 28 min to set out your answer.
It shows 8 h 38 min
